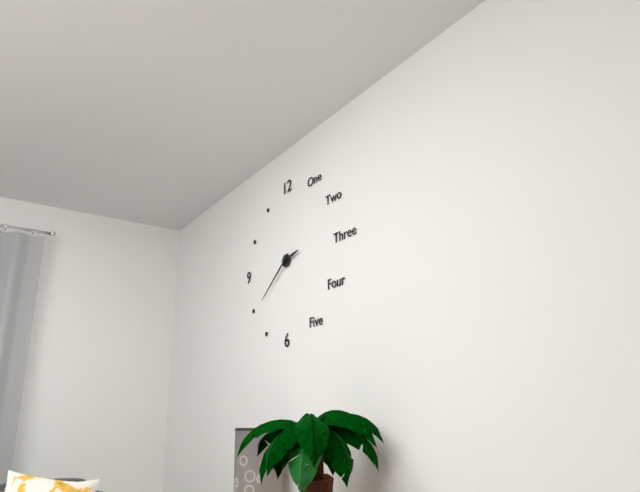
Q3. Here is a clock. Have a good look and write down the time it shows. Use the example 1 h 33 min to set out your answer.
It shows 2 h 39 min
